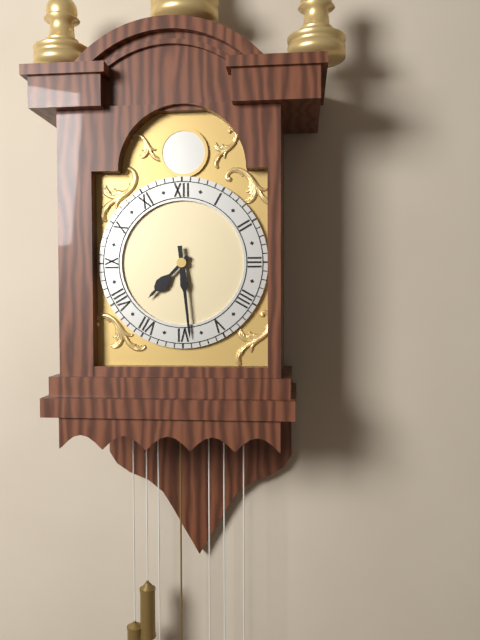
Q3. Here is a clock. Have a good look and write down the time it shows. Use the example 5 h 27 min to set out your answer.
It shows 7 h 29 min
